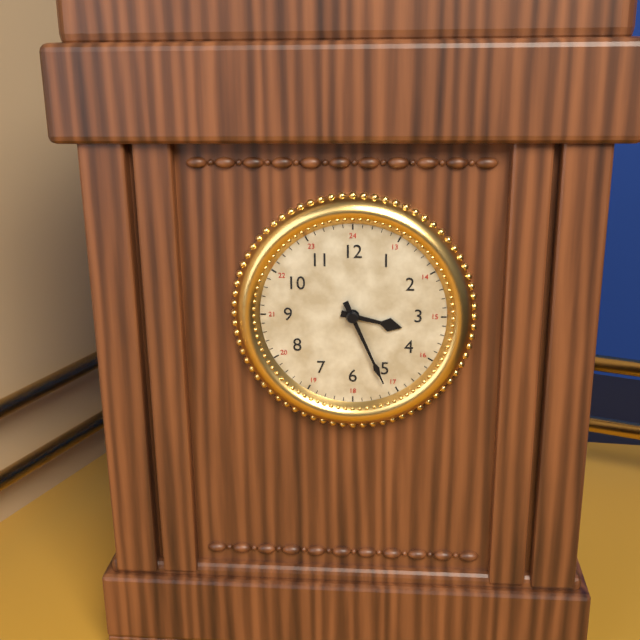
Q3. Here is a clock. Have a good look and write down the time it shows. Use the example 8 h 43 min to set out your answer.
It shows 3 h 26 min
